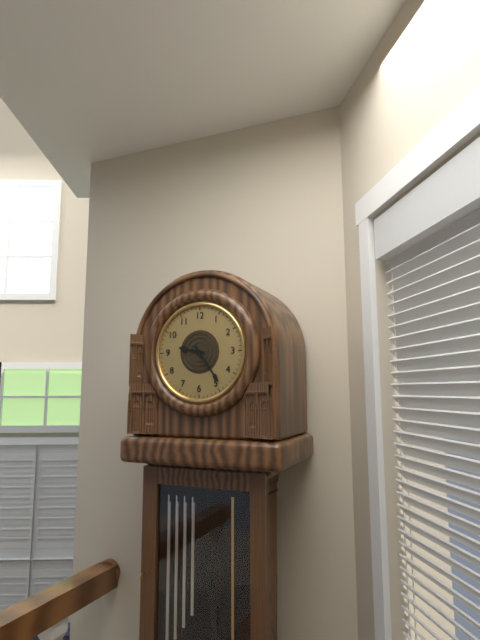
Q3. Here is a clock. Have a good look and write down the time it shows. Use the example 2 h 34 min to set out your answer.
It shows 9 h 24 min
